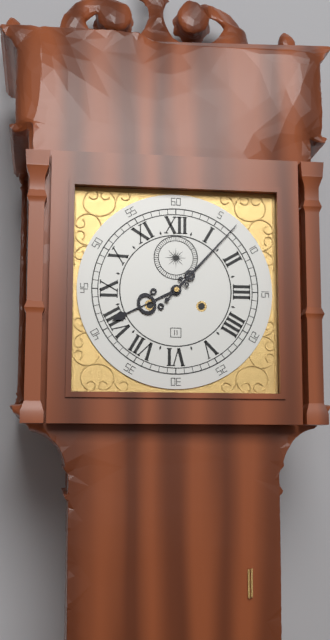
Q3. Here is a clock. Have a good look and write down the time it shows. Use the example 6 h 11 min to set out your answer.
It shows 8 h 07 min
